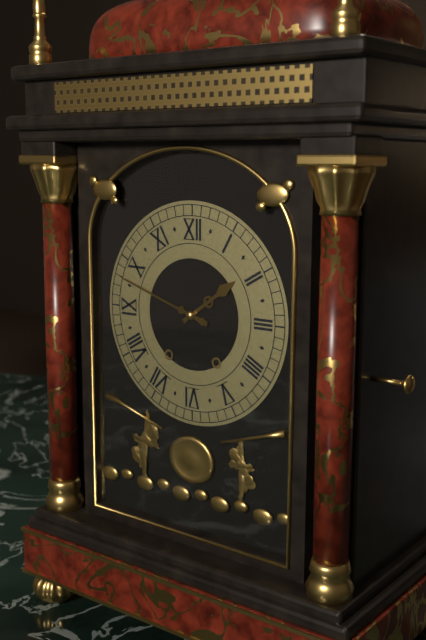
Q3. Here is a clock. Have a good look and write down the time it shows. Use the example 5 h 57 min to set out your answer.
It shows 1 h 48 min
